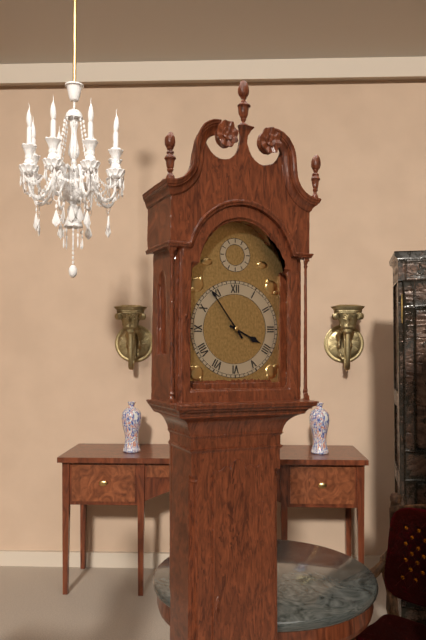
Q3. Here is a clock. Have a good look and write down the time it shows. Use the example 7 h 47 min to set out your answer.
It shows 3 h 54 min
